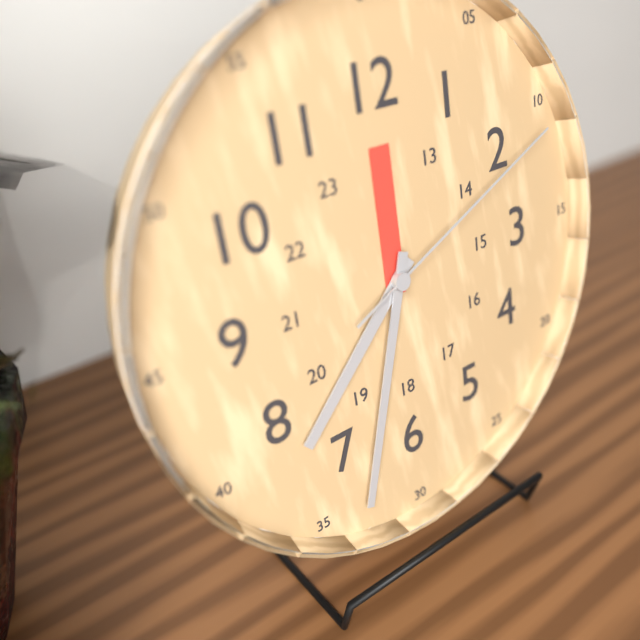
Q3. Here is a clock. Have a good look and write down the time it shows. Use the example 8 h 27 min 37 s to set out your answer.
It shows 7 h 33 min 11 s
